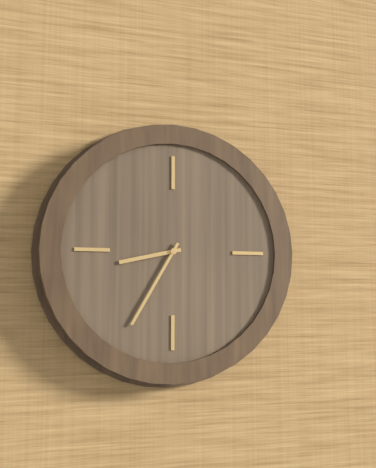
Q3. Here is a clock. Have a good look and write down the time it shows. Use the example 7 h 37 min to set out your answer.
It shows 8 h 35 min
